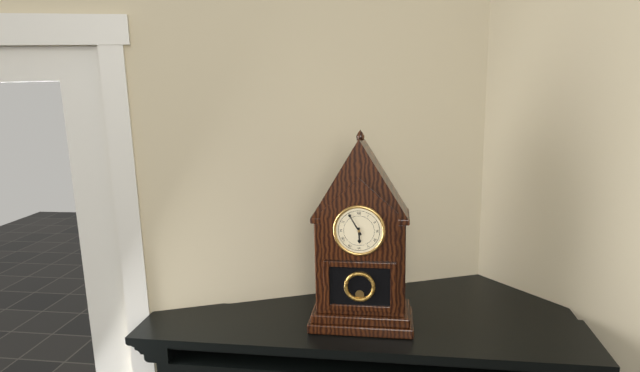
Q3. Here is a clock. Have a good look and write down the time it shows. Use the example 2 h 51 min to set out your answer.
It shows 5 h 55 min
